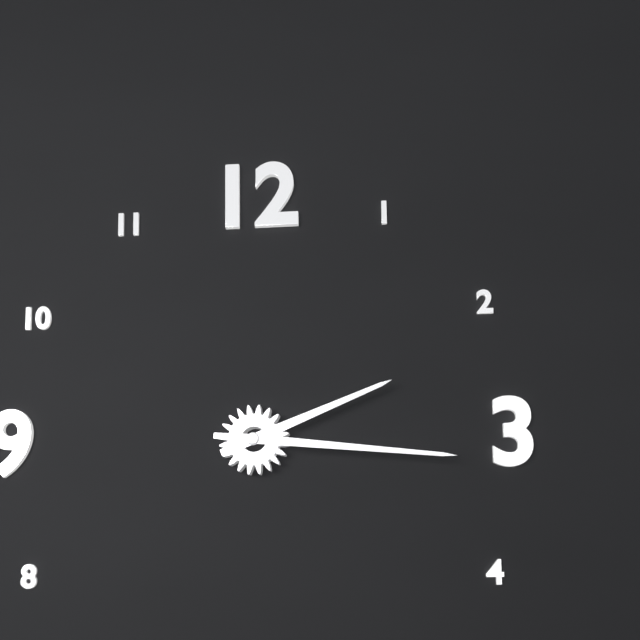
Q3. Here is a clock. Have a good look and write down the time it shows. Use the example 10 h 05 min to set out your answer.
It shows 2 h 16 min
